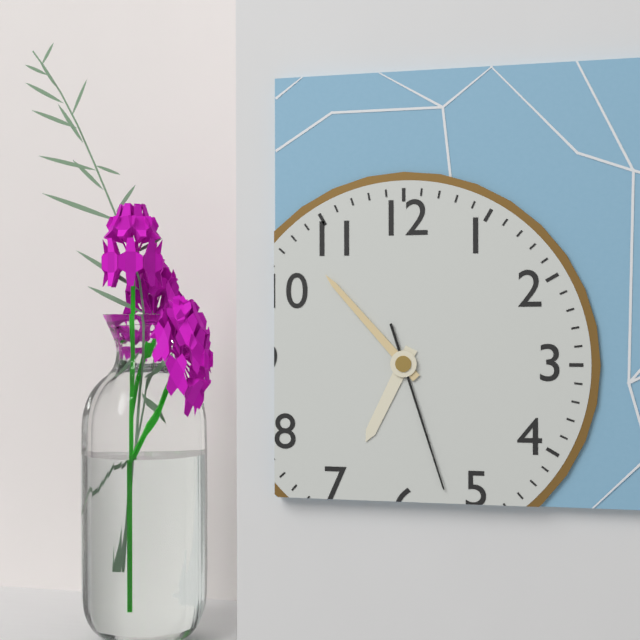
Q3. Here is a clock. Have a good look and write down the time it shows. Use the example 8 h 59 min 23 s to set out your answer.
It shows 6 h 53 min 27 s
